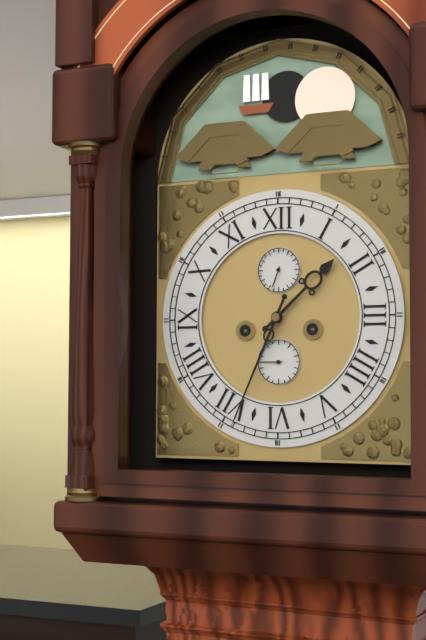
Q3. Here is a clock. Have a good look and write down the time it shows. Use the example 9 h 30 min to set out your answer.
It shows 1 h 34 min
